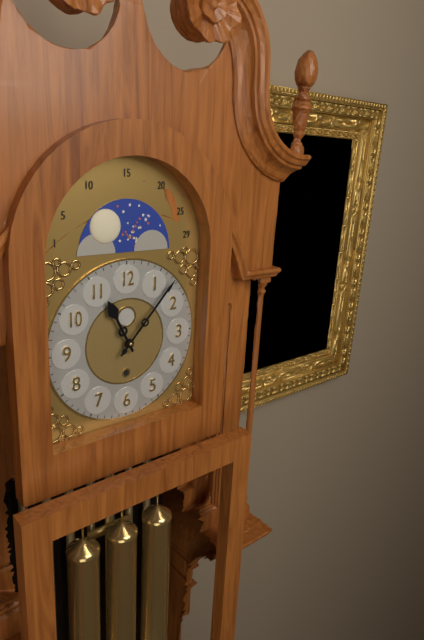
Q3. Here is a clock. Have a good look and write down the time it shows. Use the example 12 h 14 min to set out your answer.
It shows 11 h 07 min
